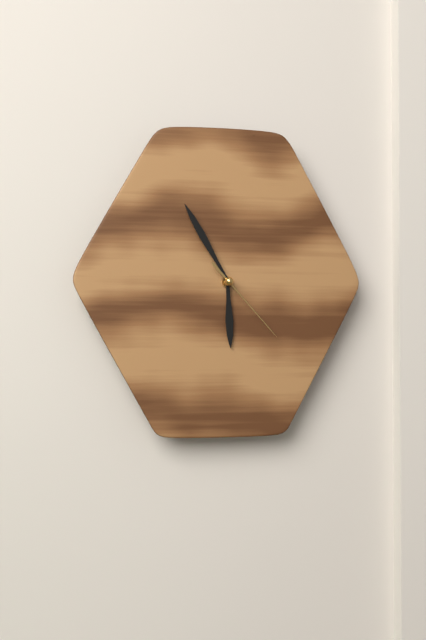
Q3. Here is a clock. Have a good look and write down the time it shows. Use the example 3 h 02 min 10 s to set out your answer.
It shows 5 h 55 min 23 s
